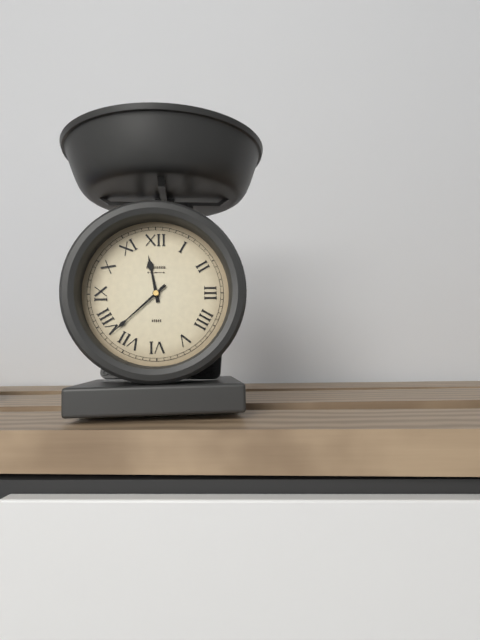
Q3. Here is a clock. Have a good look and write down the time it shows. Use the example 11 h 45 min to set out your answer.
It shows 11 h 38 min
